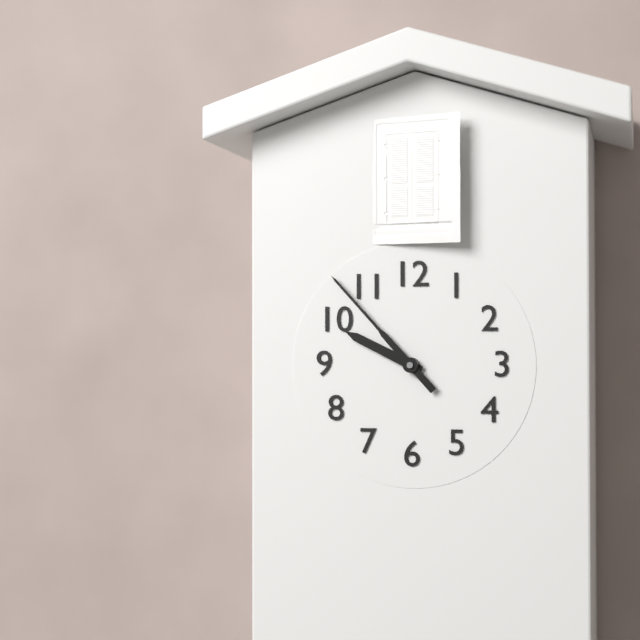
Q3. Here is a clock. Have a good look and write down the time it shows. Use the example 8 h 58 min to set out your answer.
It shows 9 h 53 min
